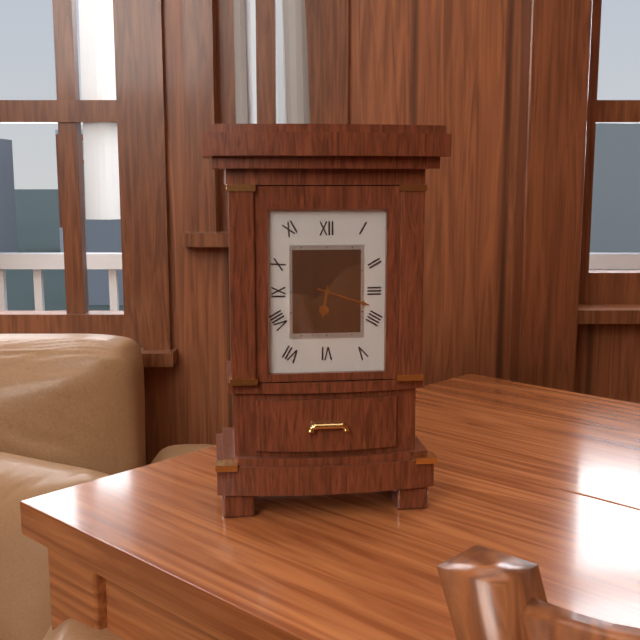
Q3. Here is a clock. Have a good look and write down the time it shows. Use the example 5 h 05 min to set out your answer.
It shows 6 h 18 min
